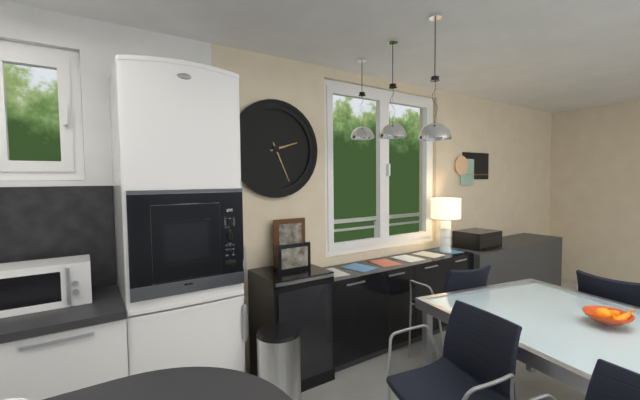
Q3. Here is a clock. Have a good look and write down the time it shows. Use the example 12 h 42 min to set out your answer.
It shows 2 h 26 min
